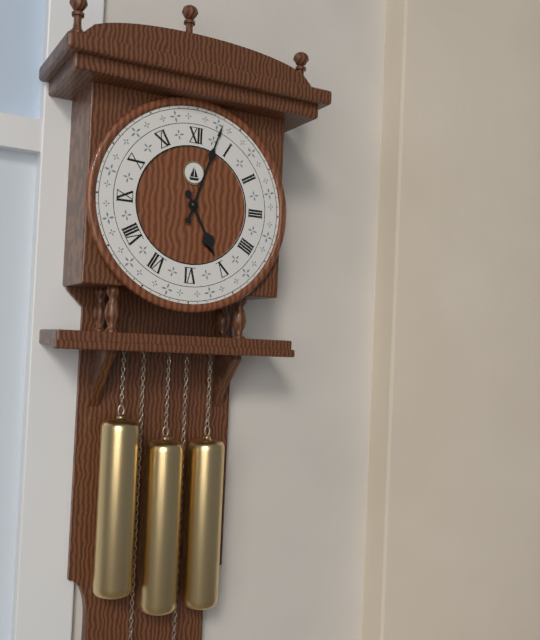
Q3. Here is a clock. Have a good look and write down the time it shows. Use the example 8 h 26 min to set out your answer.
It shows 5 h 03 min
